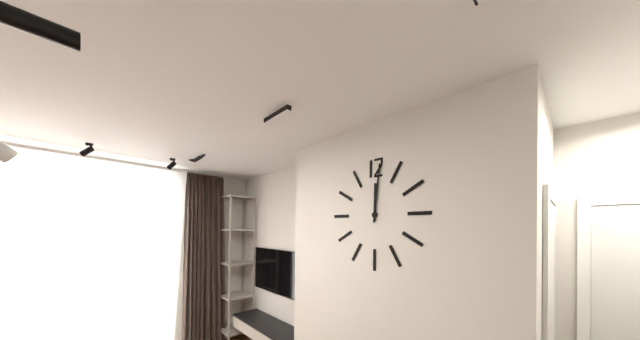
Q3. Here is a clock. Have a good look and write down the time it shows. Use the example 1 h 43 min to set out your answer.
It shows 12 h 01 min
